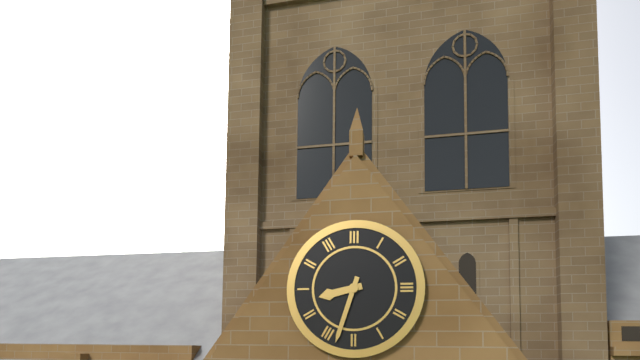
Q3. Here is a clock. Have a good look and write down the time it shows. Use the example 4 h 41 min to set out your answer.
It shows 8 h 33 min
